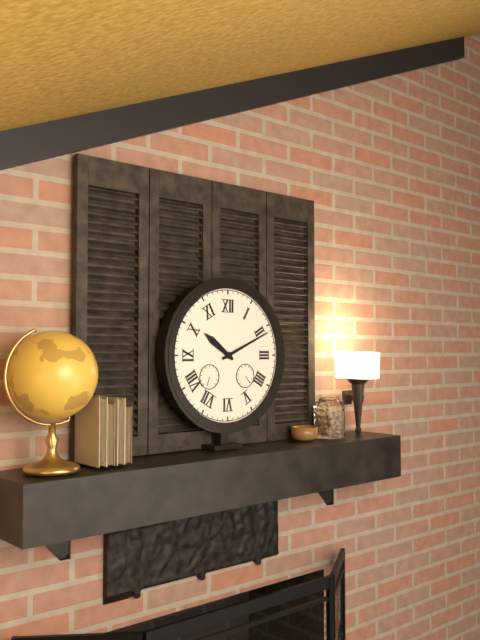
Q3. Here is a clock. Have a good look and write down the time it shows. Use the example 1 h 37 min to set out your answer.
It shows 10 h 11 min
